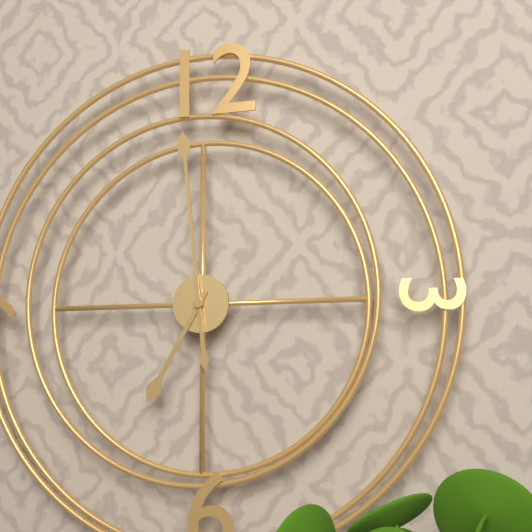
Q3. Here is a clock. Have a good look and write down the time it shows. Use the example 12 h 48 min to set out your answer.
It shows 6 h 59 min
